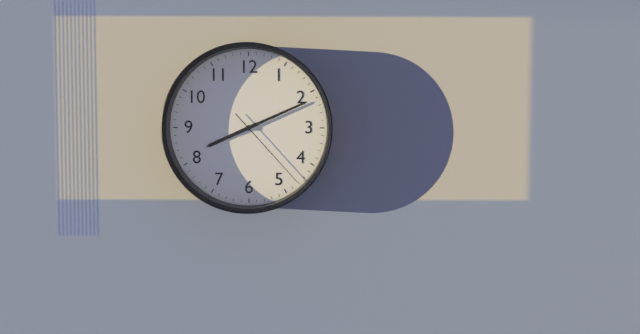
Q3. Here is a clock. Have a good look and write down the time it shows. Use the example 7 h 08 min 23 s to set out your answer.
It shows 8 h 11 min 23 s
